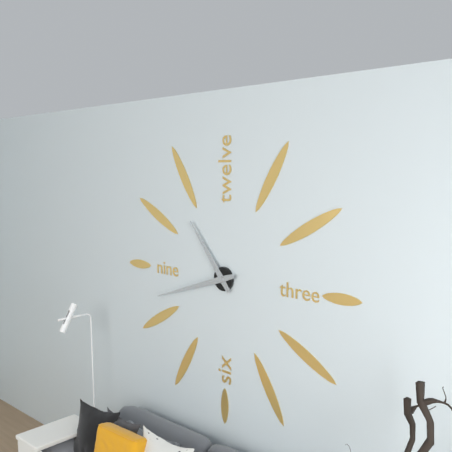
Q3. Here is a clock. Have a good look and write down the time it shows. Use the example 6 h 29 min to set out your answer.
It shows 10 h 42 min
